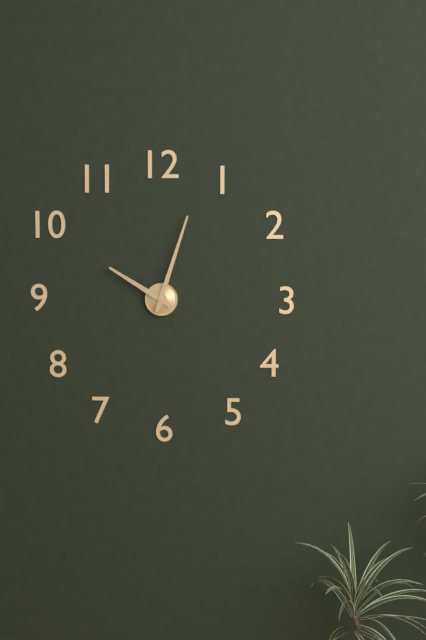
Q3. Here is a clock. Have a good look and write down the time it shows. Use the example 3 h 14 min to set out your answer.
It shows 10 h 03 min
